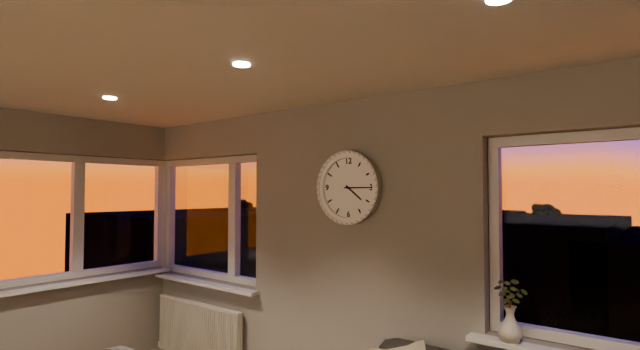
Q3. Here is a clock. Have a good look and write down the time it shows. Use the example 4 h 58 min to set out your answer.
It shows 4 h 15 min
